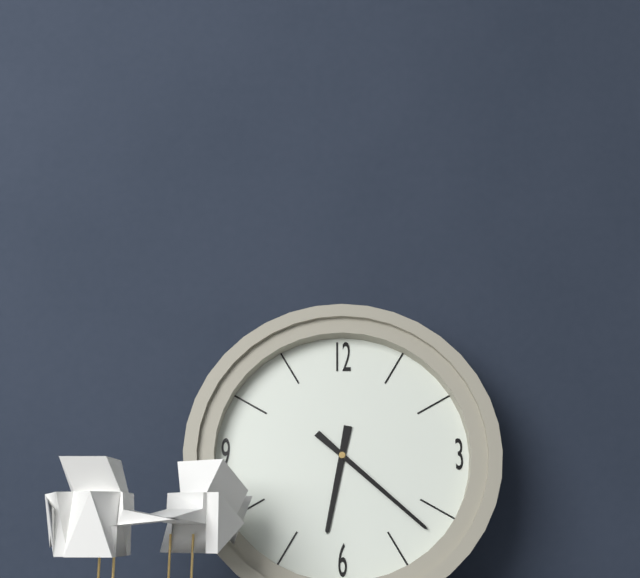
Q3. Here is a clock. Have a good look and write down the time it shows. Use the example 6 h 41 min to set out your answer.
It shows 6 h 22 min
